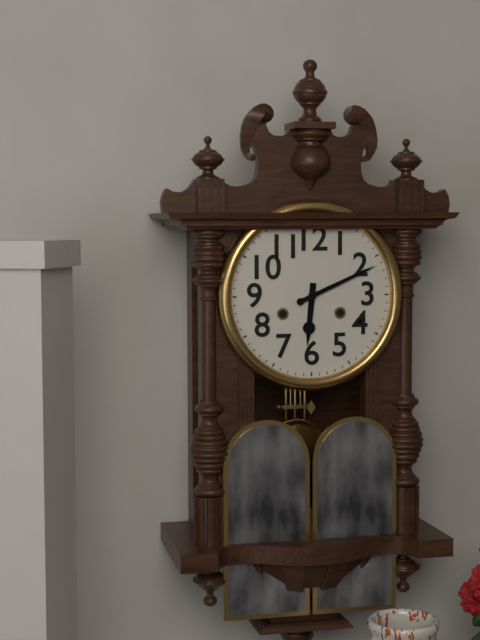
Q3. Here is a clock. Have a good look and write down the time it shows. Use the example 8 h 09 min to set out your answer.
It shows 6 h 11 min
